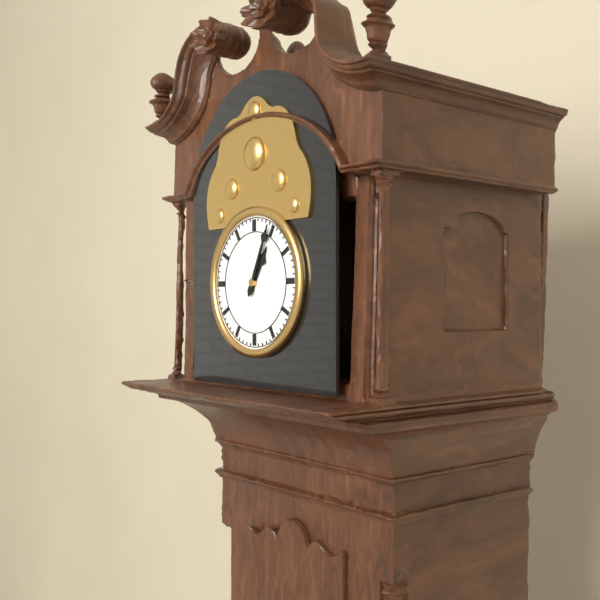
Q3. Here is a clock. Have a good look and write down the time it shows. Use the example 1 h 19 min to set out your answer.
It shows 1 h 04 min
